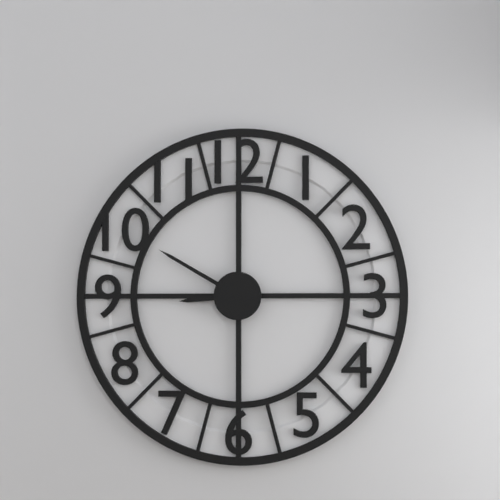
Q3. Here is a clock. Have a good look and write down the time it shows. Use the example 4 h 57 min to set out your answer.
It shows 8 h 50 min
